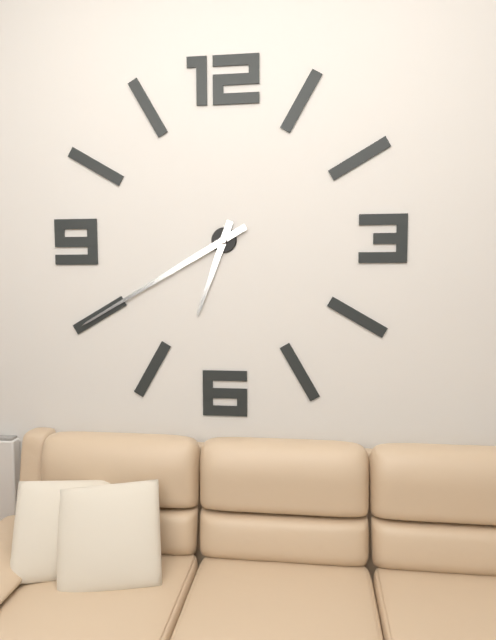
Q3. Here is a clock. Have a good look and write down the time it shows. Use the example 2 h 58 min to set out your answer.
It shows 6 h 40 min
